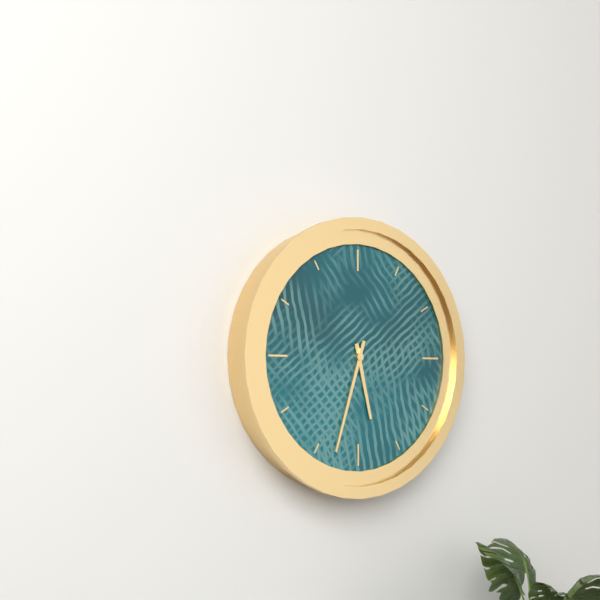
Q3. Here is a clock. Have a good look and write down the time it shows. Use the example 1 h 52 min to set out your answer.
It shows 5 h 33 min
